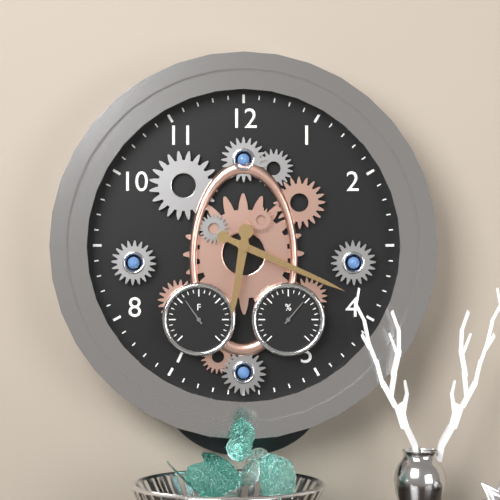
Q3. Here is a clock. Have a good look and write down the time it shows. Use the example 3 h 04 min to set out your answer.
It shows 6 h 19 min
